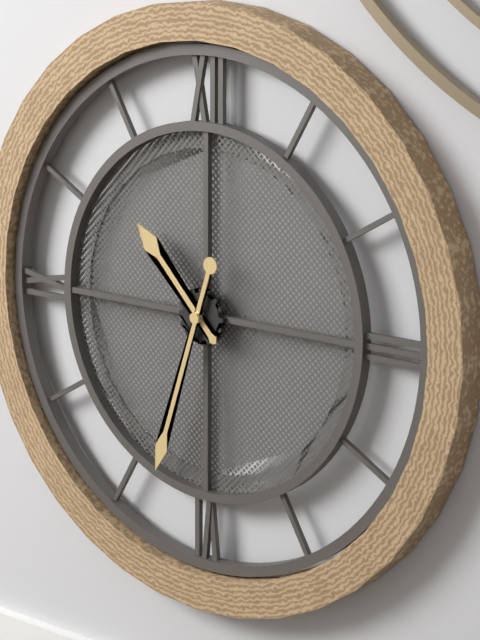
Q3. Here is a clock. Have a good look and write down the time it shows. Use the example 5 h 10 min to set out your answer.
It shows 10 h 33 min
